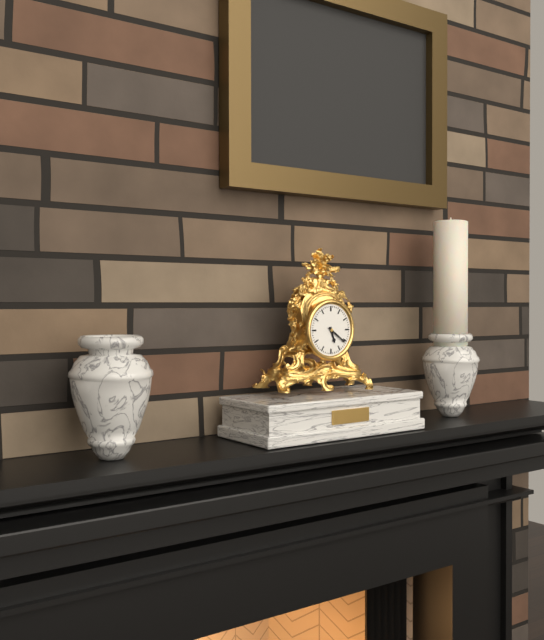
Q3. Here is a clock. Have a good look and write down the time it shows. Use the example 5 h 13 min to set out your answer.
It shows 5 h 21 min
